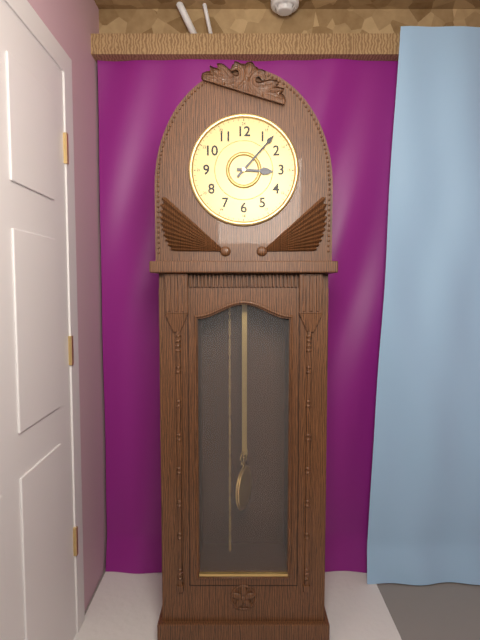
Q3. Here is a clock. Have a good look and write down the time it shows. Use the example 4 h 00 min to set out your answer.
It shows 3 h 07 min
